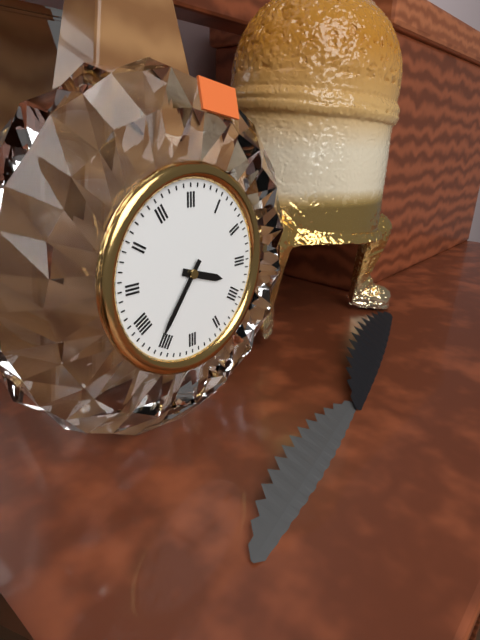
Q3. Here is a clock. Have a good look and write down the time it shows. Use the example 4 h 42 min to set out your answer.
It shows 3 h 36 min
